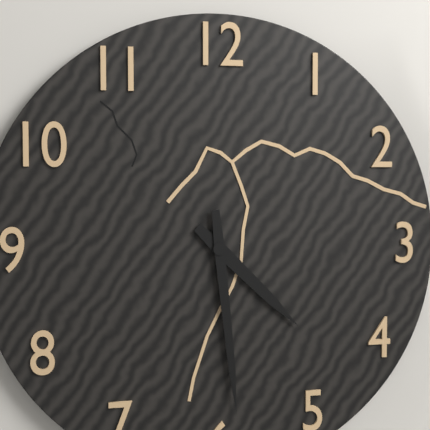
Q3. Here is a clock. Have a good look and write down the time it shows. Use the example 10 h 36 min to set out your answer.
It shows 4 h 29 min
